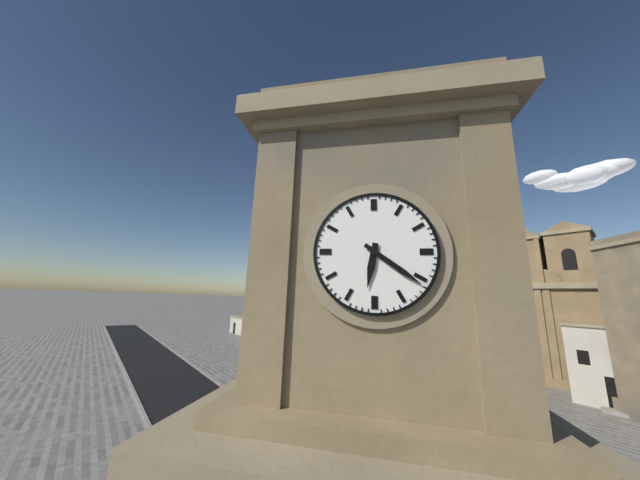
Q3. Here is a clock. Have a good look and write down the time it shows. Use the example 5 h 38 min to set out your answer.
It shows 6 h 21 min
